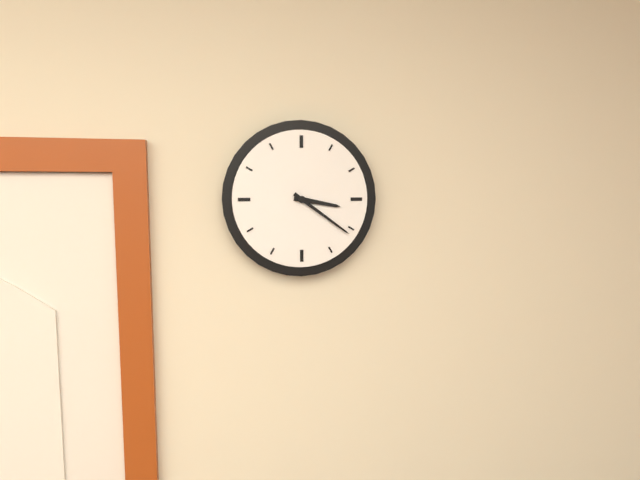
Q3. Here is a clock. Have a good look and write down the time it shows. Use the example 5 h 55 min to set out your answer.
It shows 3 h 21 min
